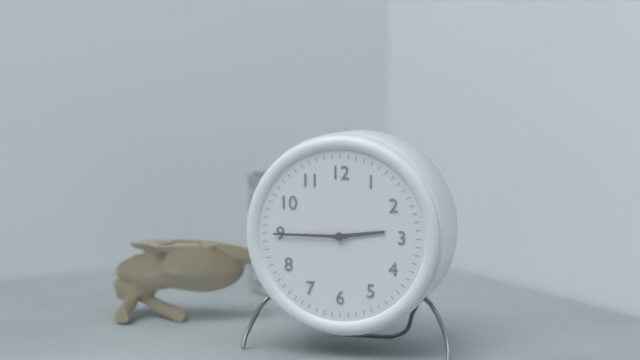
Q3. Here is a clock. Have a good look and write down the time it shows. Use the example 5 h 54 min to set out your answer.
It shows 2 h 45 min
